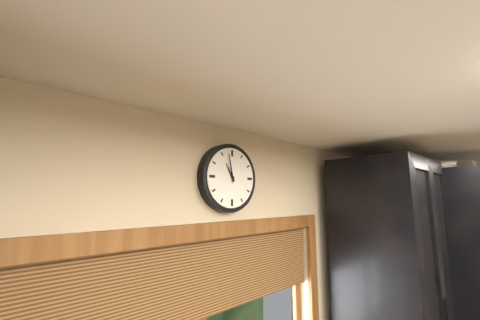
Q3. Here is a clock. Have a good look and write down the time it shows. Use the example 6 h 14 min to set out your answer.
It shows 10 h 58 min
